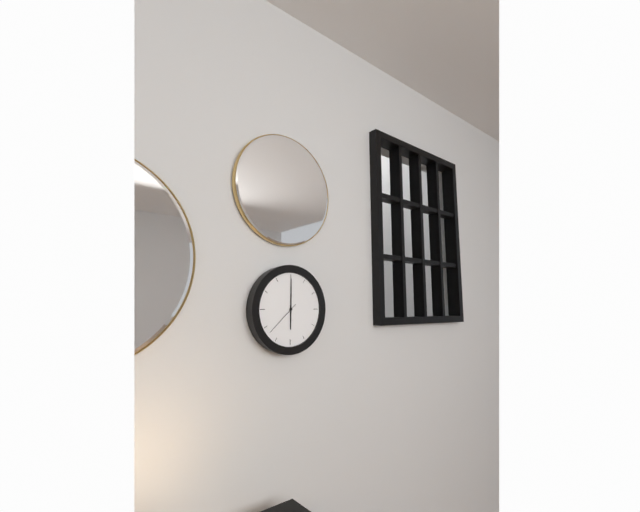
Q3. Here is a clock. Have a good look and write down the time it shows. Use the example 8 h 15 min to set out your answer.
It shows 6 h 00 min
